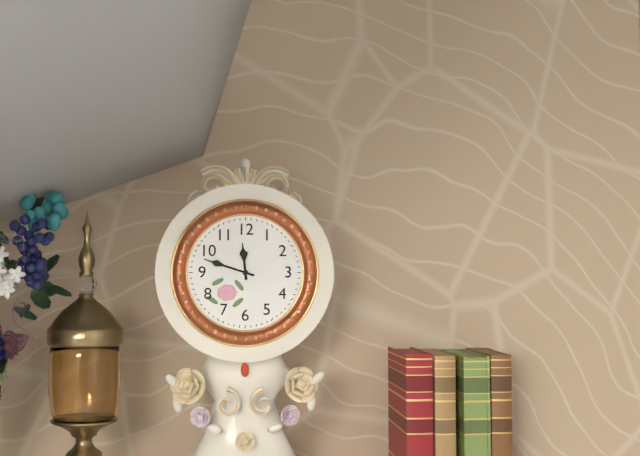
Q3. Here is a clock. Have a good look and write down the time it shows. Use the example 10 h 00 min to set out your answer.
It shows 11 h 48 min
